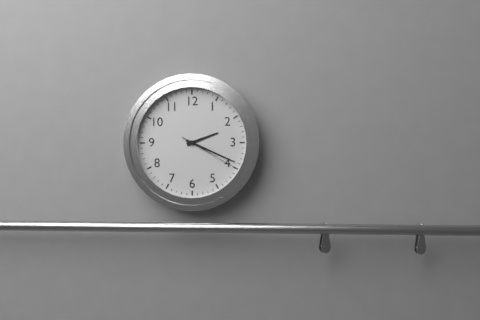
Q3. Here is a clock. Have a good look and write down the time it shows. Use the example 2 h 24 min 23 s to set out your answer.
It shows 2 h 19 min 20 s
